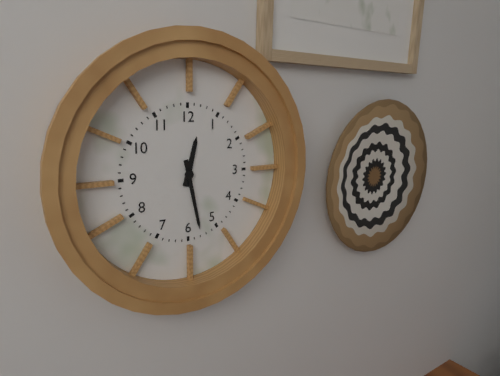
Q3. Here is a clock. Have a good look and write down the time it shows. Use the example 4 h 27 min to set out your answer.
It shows 12 h 28 min
